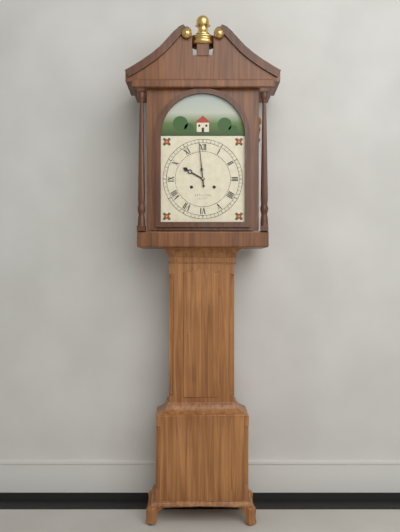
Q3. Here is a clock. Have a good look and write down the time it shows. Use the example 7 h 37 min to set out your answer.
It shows 9 h 59 min
